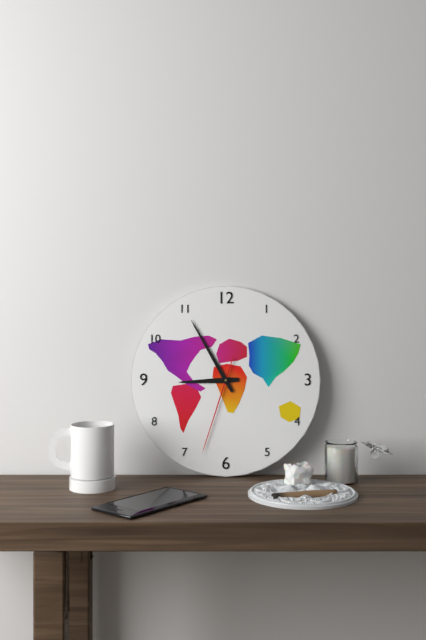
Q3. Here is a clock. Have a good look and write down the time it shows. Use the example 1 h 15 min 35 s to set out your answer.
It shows 8 h 55 min 33 s
